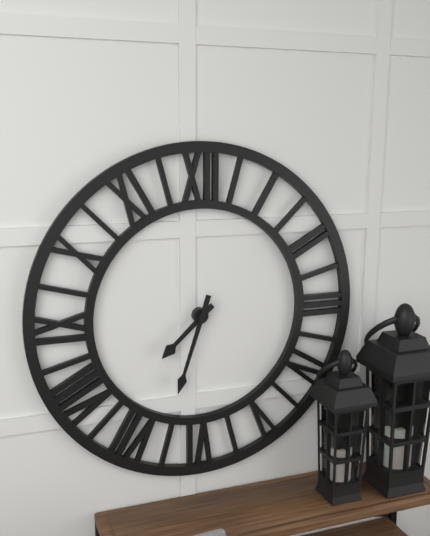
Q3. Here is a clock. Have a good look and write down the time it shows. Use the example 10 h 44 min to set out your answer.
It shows 7 h 33 min
